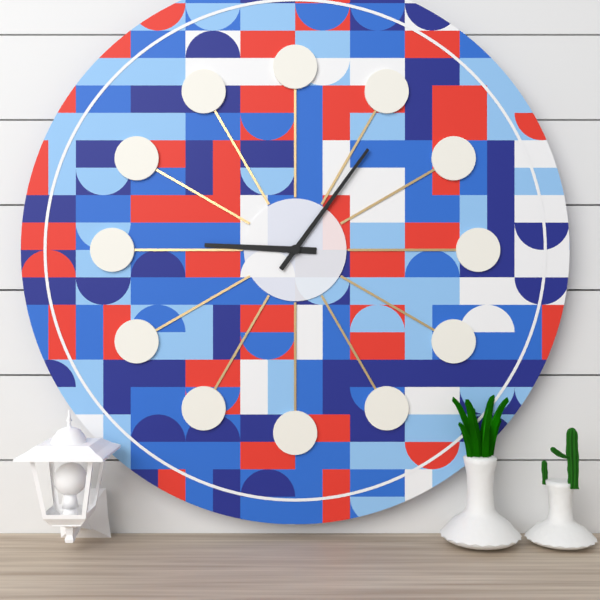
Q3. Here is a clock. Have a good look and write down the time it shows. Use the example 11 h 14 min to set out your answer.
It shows 9 h 06 min
